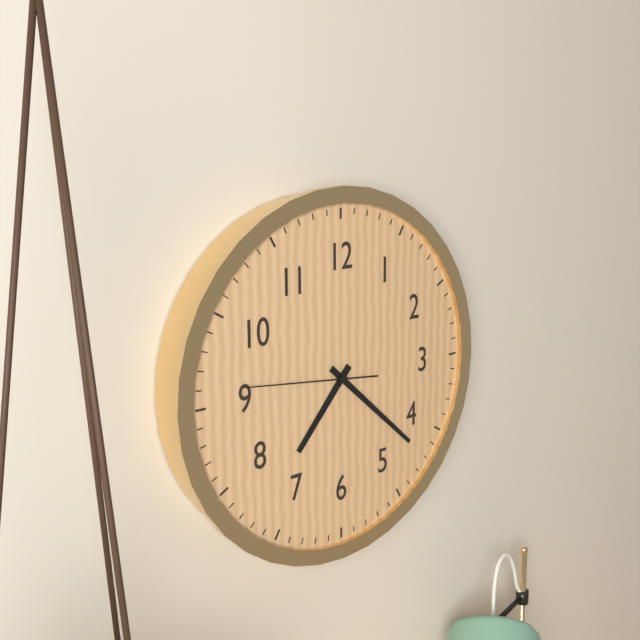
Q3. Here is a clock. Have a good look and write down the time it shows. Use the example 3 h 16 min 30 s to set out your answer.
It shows 7 h 22 min 46 s
